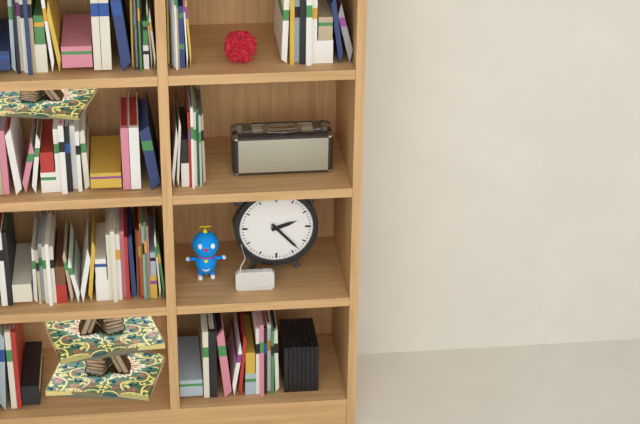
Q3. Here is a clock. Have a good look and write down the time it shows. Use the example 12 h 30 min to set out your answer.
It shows 2 h 23 min
